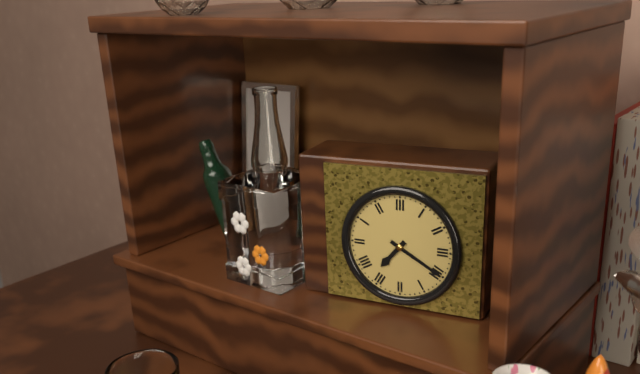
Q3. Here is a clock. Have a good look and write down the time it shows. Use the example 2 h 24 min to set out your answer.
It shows 7 h 20 min
